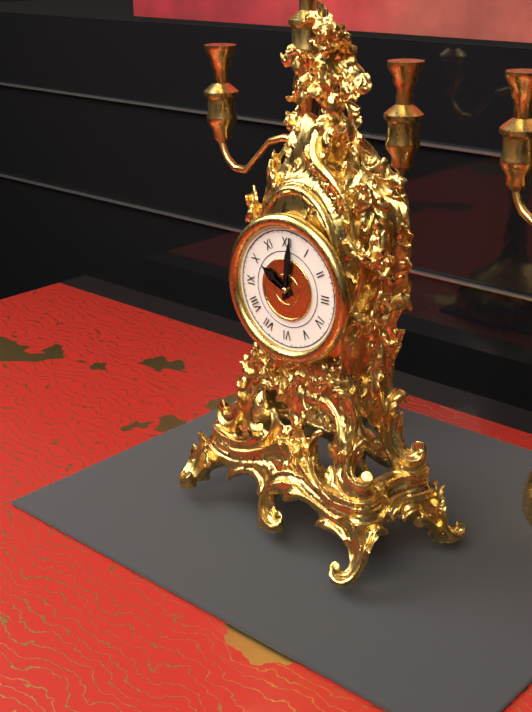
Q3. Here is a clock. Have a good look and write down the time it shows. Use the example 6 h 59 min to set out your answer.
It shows 10 h 01 min
